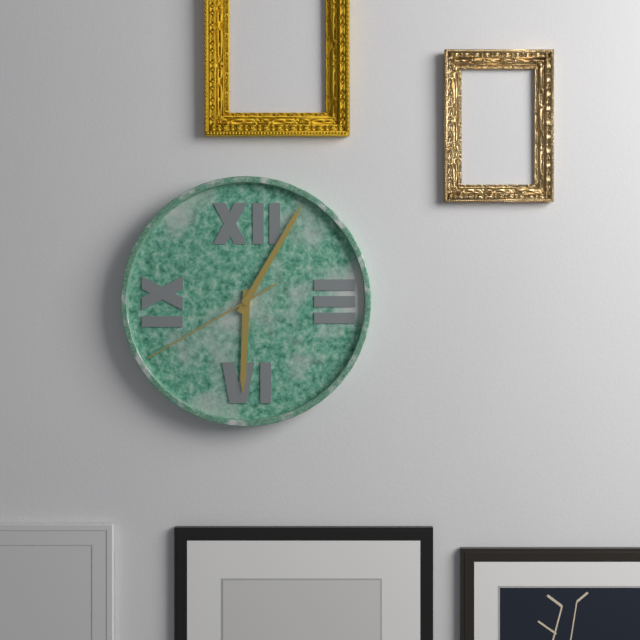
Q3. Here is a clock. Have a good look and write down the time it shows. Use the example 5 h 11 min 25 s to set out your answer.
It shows 6 h 05 min 40 s
